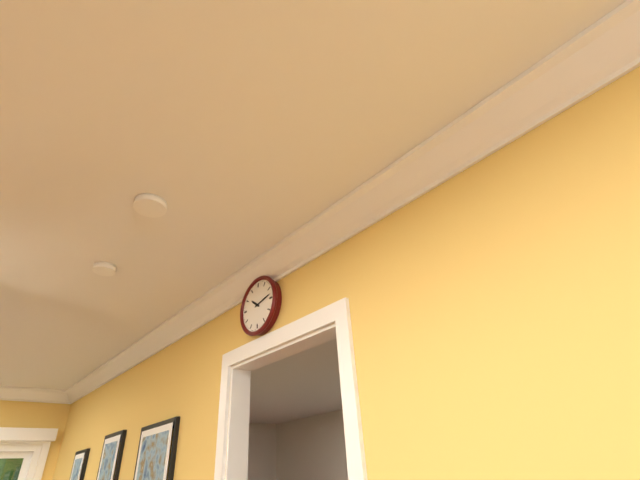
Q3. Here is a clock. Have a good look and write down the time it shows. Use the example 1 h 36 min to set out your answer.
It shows 10 h 13 min
